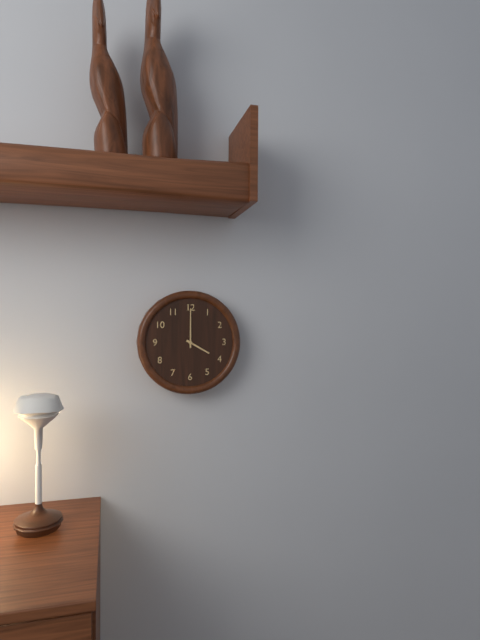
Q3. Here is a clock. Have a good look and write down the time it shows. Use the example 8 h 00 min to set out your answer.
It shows 4 h 00 min
